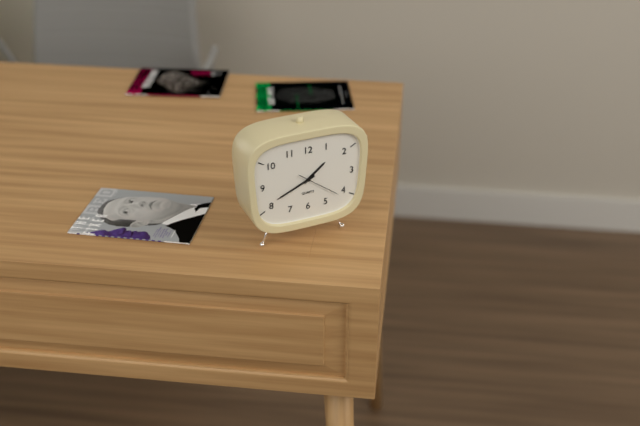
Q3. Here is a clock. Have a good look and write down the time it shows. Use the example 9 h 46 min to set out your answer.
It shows 1 h 41 min
